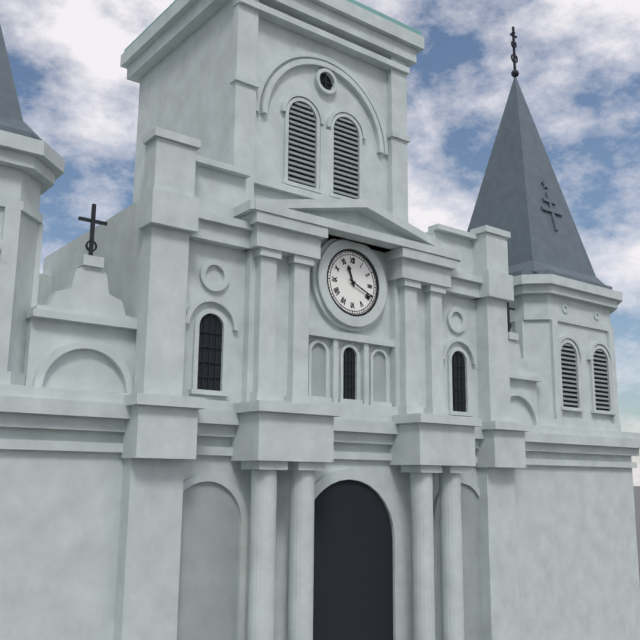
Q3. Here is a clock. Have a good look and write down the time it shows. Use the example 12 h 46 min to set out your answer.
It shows 11 h 19 min
